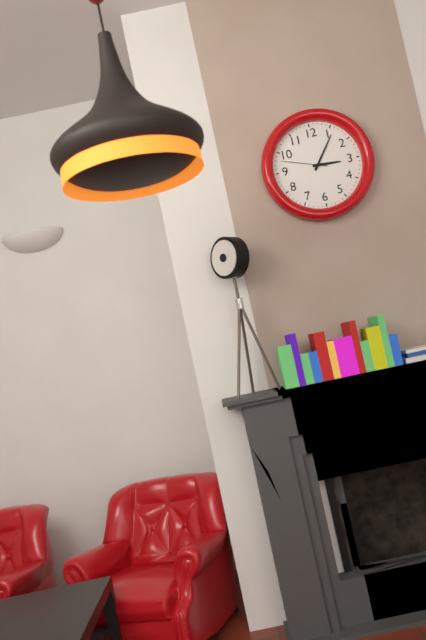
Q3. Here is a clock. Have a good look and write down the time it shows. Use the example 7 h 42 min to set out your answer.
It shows 3 h 06 min
